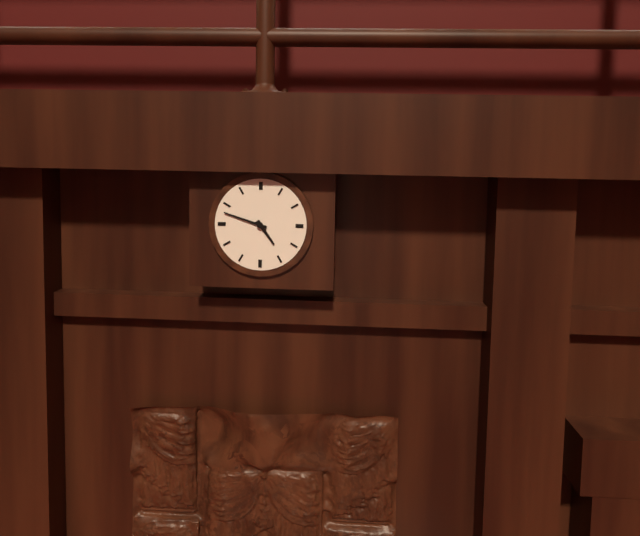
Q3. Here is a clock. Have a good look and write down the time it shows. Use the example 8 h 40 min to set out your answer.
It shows 4 h 48 min
